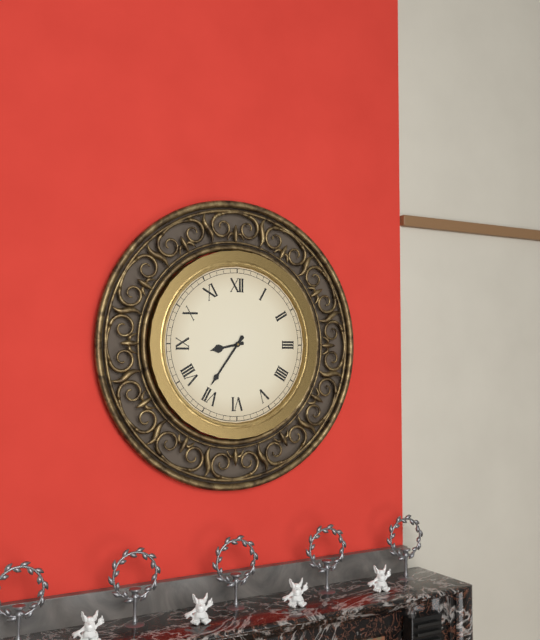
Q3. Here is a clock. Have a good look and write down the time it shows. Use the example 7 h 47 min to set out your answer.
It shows 8 h 36 min
